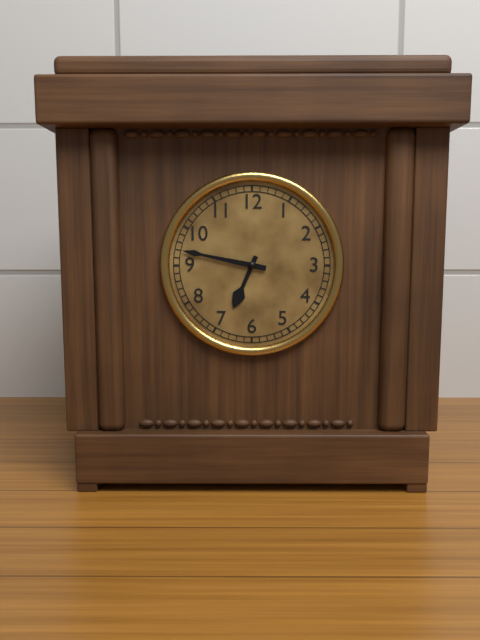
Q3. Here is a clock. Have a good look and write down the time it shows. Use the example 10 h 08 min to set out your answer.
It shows 6 h 47 min
